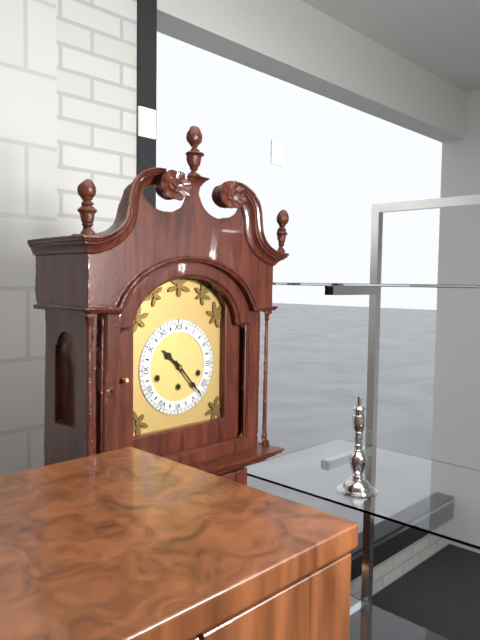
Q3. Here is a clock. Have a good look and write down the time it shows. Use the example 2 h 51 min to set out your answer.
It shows 10 h 23 min
